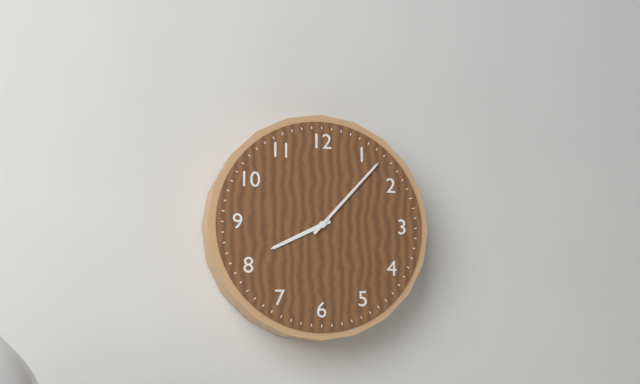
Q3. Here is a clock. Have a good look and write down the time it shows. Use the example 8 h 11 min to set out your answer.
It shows 8 h 07 min
